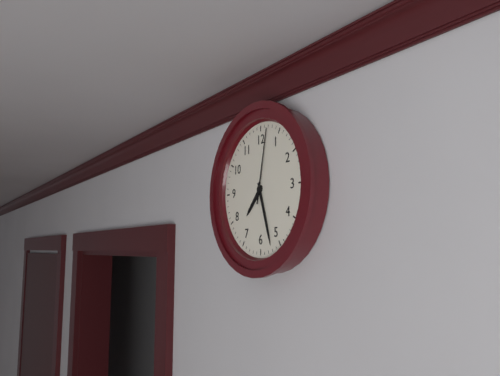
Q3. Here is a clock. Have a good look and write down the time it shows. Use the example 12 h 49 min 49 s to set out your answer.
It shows 7 h 27 min 02 s
